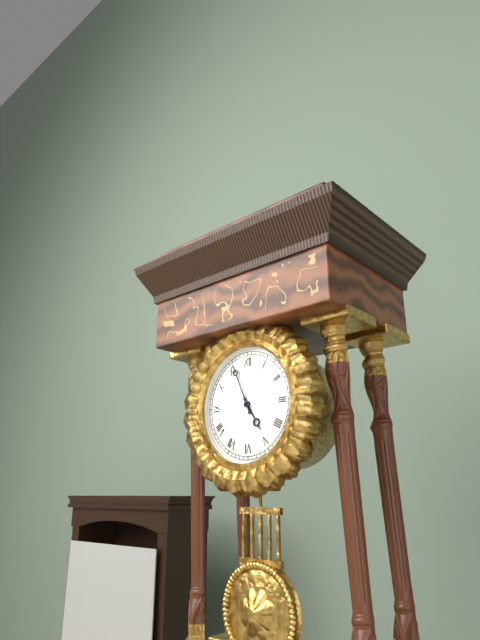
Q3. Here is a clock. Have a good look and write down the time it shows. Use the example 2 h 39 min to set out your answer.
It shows 4 h 56 min
